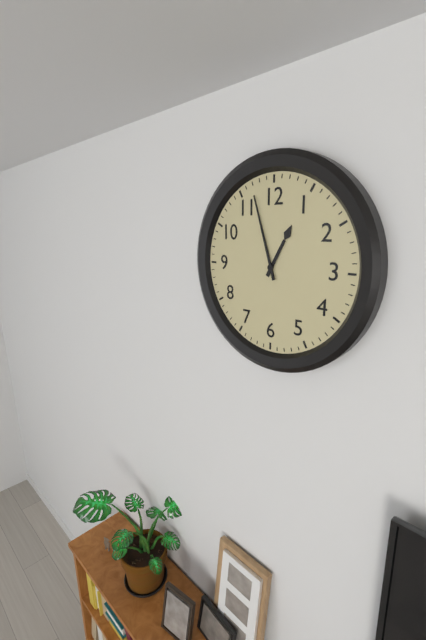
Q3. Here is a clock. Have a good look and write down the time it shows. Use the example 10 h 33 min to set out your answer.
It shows 12 h 57 min
